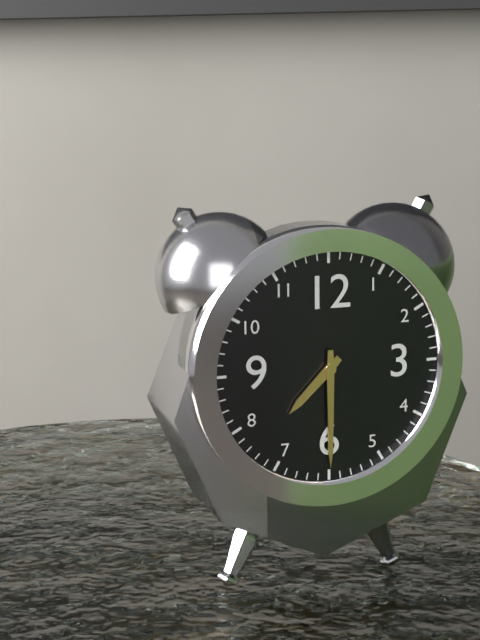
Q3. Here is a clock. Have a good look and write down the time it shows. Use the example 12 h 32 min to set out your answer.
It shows 7 h 30 min
